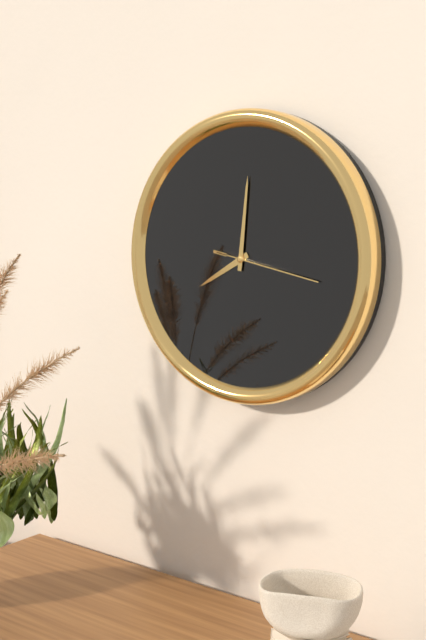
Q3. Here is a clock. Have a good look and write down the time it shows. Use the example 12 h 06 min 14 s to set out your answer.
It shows 8 h 01 min 17 s
